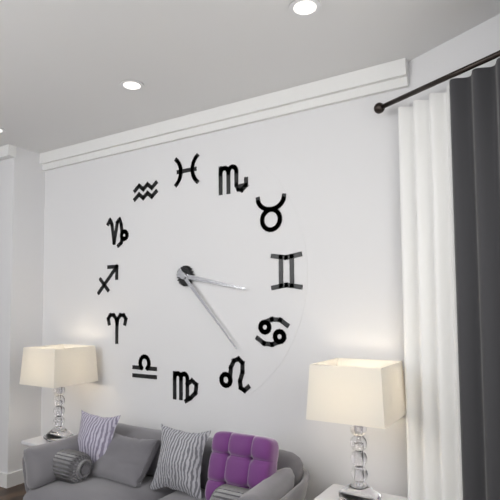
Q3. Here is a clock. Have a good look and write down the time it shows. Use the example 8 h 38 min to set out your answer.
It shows 3 h 23 min
